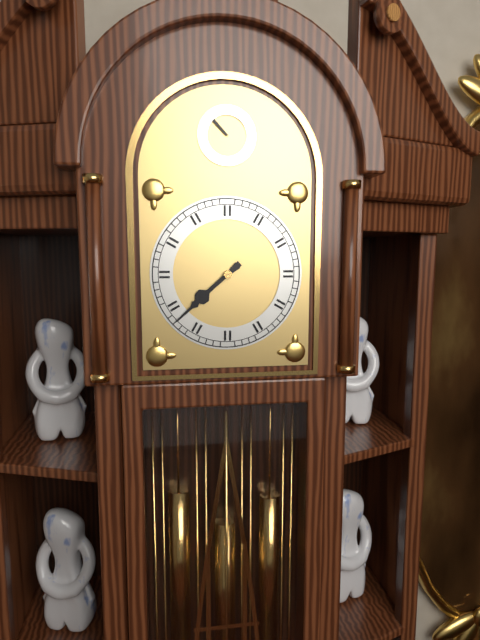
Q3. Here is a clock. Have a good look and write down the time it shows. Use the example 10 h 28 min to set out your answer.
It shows 7 h 38 min
